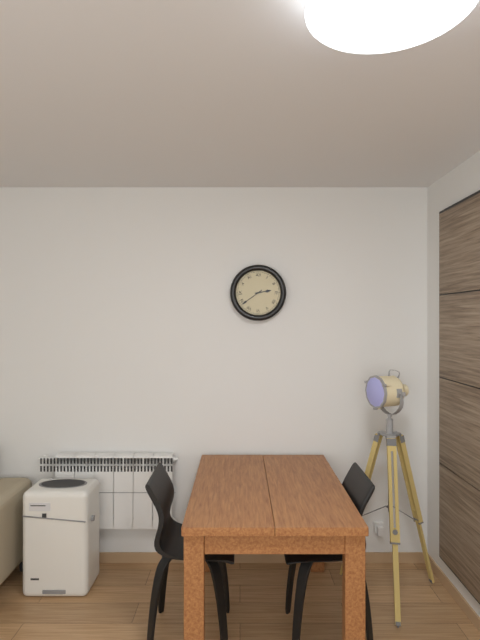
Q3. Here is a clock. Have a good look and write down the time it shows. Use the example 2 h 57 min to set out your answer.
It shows 2 h 39 min
